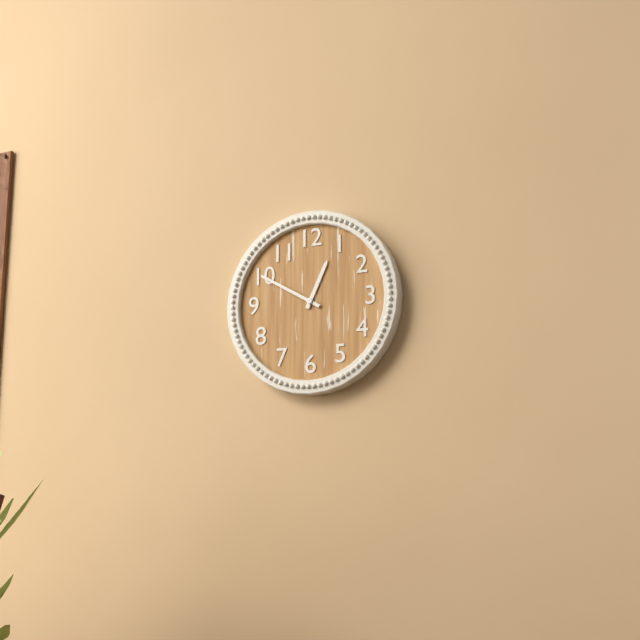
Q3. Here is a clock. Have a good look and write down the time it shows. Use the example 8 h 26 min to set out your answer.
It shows 12 h 50 min
